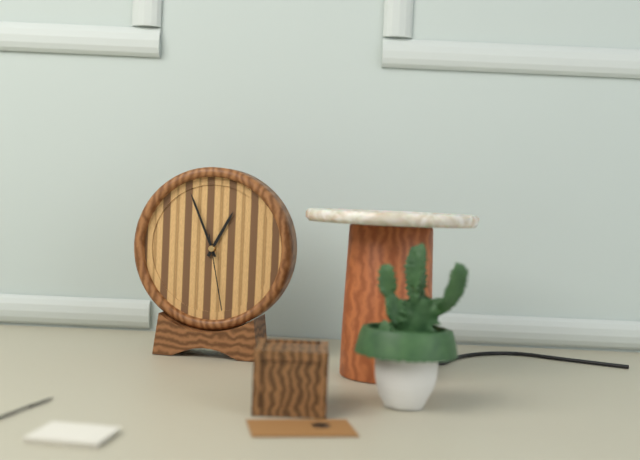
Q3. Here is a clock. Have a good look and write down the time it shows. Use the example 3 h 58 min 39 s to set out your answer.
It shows 12 h 56 min 28 s
